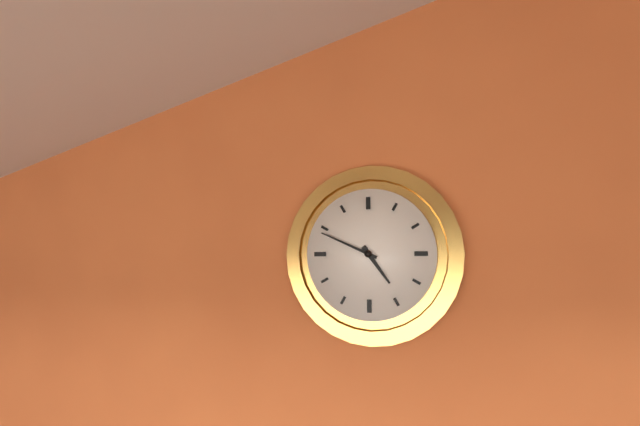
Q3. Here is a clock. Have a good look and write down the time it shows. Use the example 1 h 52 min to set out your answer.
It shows 4 h 49 min
